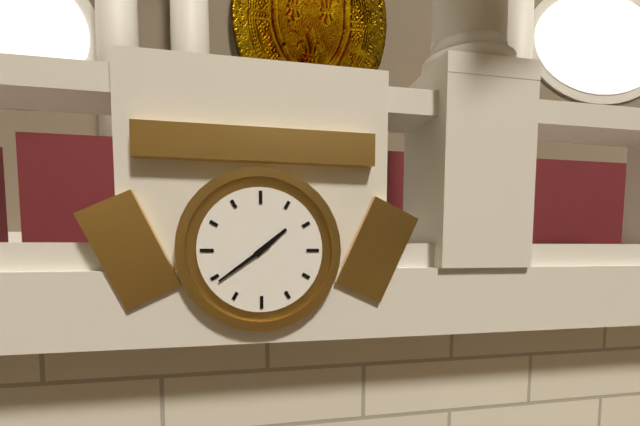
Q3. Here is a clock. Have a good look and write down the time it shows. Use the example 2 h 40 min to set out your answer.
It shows 1 h 39 min
